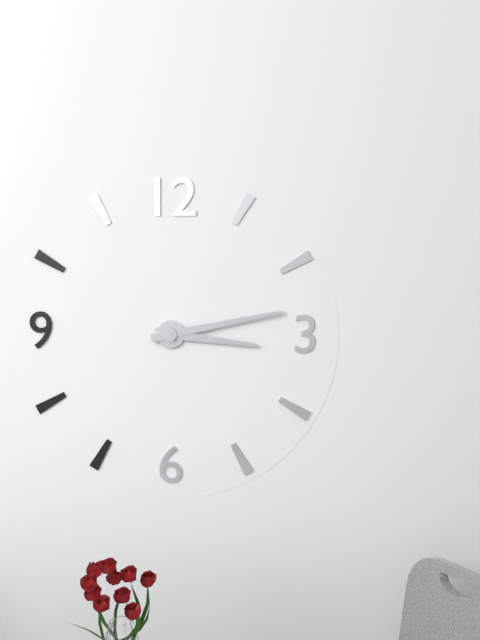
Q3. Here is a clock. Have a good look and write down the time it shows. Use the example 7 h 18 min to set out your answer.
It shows 3 h 13 min
